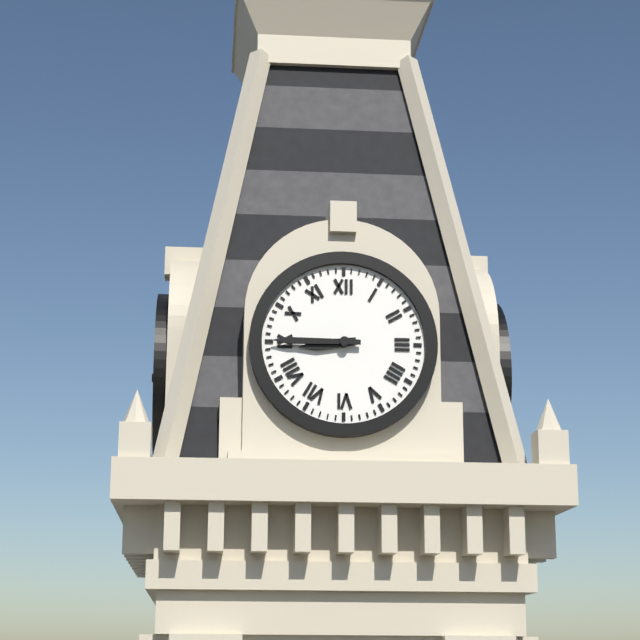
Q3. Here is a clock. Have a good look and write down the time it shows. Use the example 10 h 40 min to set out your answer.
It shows 8 h 45 min
